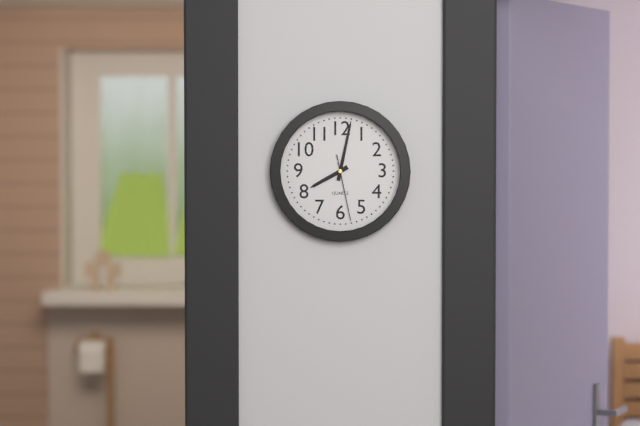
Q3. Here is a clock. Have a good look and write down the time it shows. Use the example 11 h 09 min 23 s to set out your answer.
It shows 8 h 02 min 28 s
